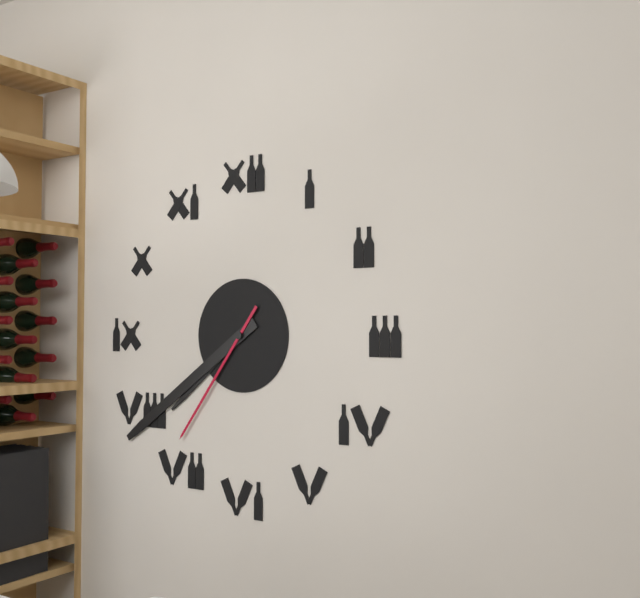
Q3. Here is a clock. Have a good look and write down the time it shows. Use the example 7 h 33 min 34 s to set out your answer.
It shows 7 h 39 min 36 s
